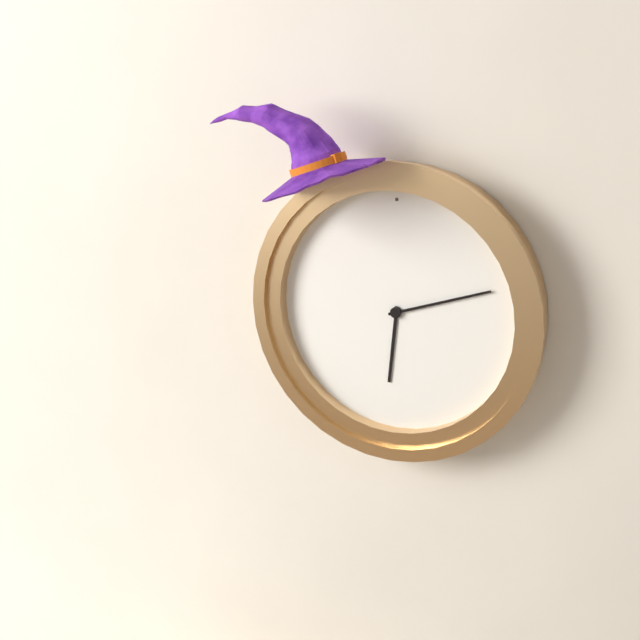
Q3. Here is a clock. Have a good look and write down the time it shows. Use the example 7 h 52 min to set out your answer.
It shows 6 h 12 min
